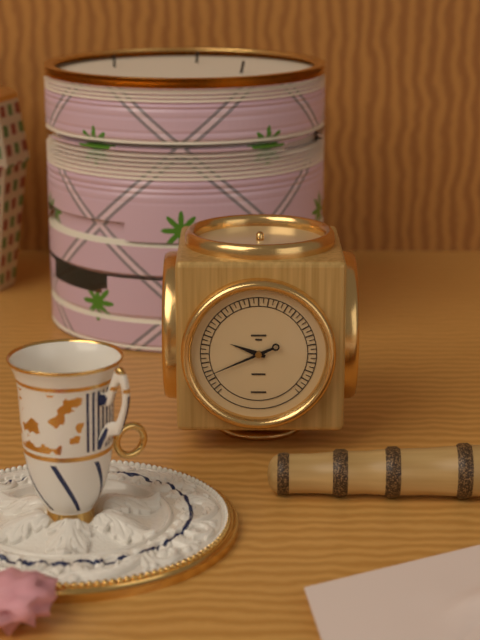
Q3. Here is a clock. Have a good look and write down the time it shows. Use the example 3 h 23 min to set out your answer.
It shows 9 h 41 min
